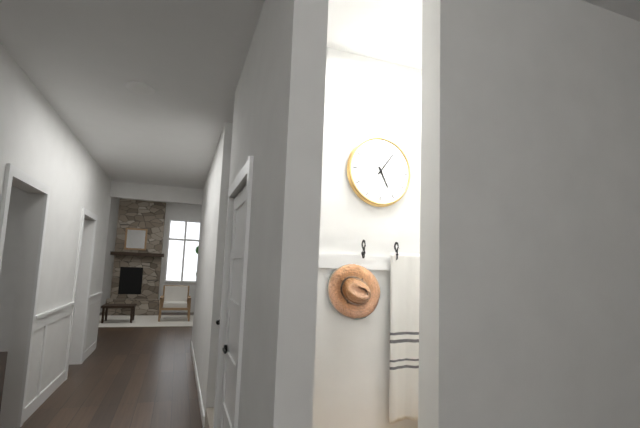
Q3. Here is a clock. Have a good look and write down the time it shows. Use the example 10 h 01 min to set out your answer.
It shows 5 h 06 min
